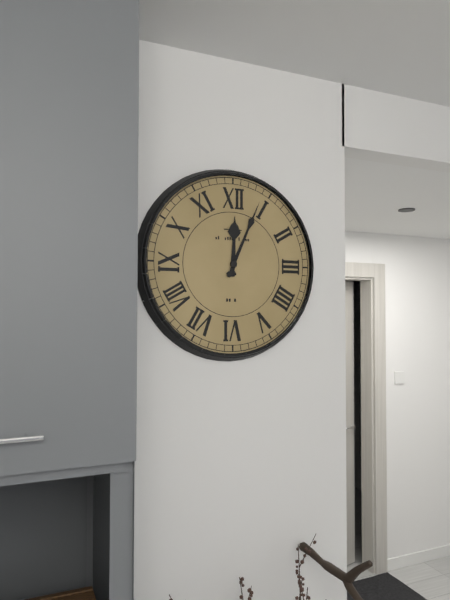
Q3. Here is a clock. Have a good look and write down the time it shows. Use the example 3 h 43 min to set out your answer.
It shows 12 h 04 min
